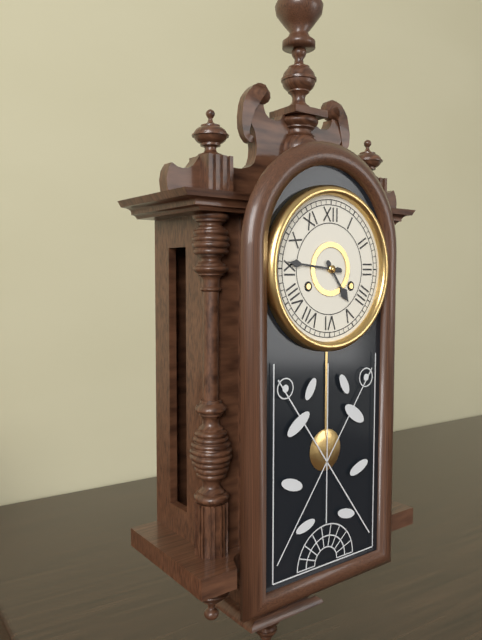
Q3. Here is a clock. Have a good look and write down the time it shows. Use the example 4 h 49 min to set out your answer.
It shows 4 h 46 min
